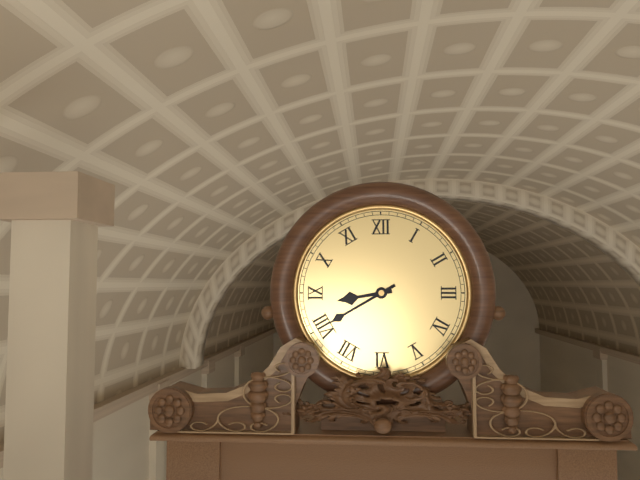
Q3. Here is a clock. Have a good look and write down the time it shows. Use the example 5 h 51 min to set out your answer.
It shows 8 h 40 min
